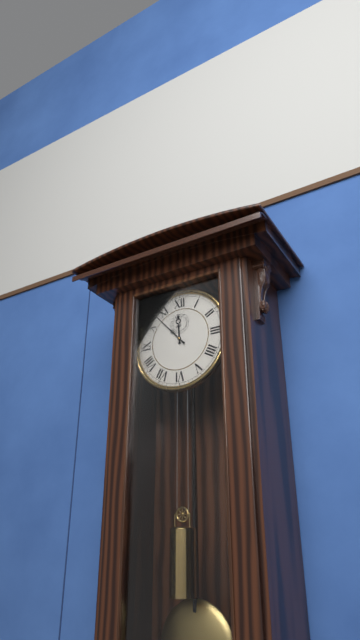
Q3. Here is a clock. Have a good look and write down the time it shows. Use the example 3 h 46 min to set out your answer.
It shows 11 h 53 min
